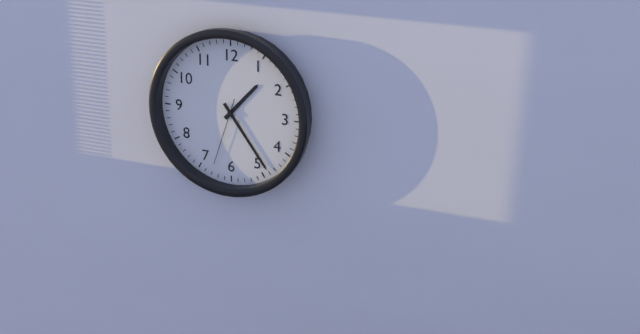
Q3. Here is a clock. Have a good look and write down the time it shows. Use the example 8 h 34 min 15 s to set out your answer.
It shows 1 h 24 min 33 s
